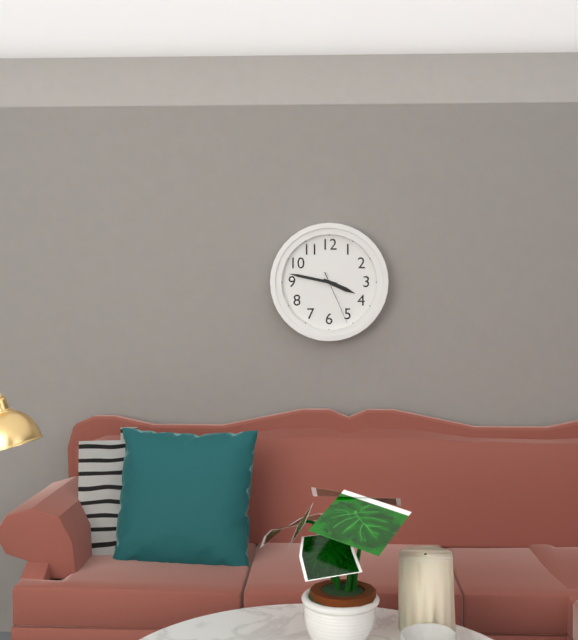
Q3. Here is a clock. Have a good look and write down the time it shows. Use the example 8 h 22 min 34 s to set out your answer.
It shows 3 h 47 min 26 s
